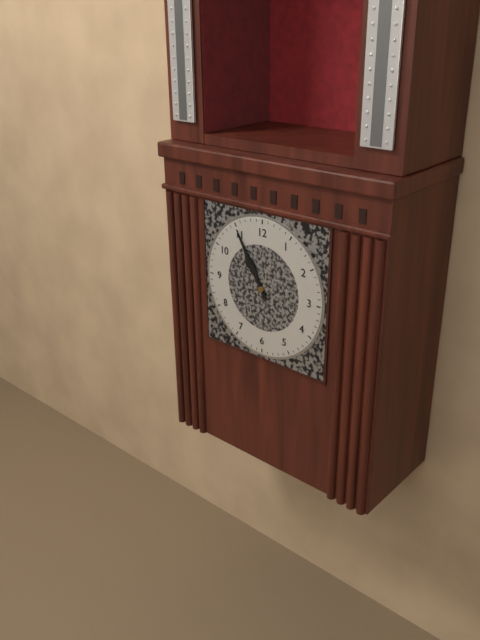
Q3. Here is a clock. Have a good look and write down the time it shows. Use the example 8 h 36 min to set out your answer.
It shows 10 h 55 min
